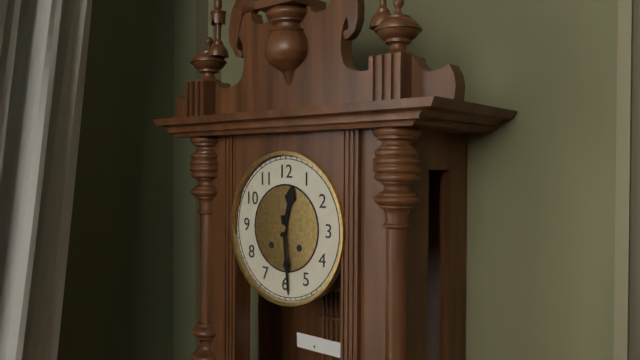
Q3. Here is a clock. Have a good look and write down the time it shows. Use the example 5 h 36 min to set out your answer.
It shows 12 h 29 min
